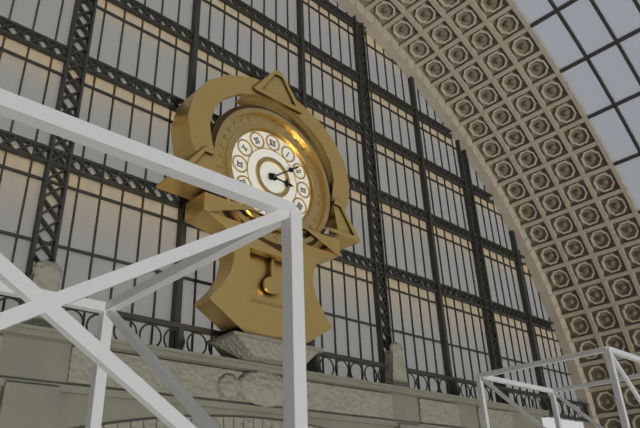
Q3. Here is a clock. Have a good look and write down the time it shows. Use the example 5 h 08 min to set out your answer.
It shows 3 h 09 min
